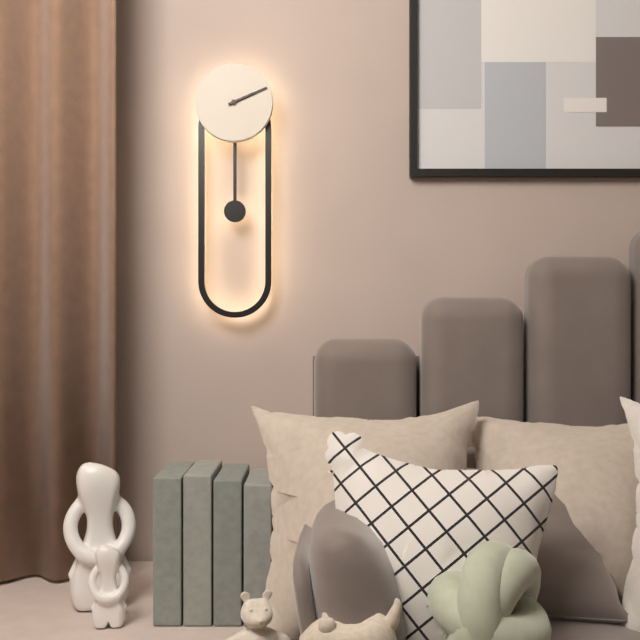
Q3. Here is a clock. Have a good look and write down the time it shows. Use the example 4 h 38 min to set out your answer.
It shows 2 h 11 min
